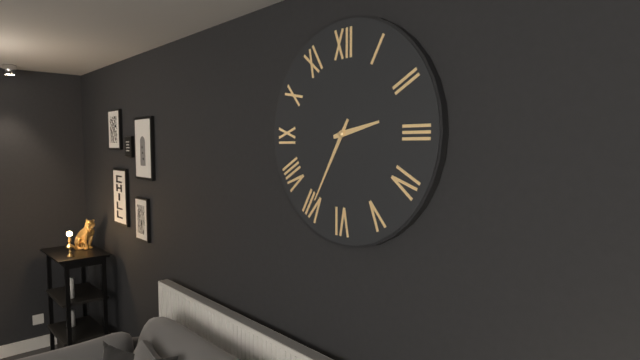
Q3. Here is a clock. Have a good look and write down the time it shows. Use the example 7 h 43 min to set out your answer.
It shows 2 h 35 min
